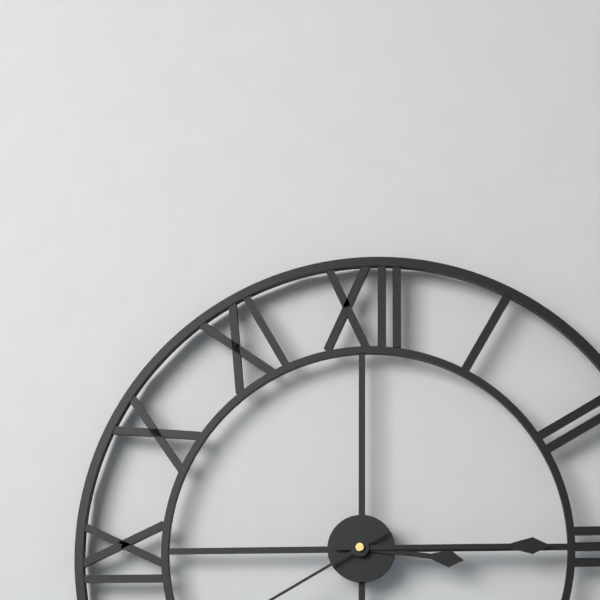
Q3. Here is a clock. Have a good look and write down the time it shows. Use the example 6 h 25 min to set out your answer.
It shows 3 h 15 min
